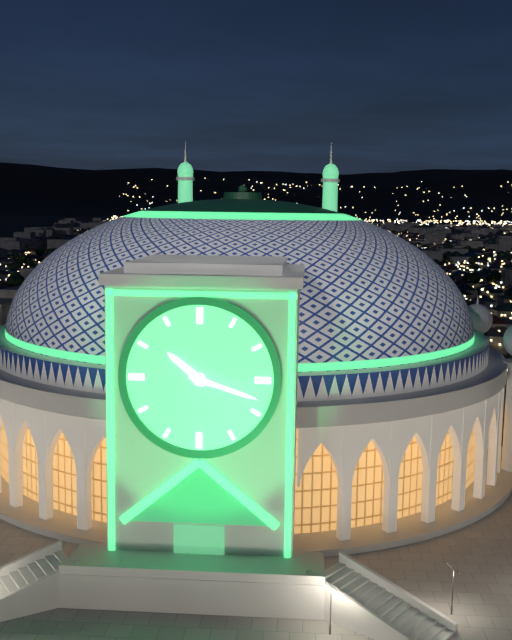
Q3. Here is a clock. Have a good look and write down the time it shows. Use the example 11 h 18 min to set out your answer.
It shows 10 h 18 min
